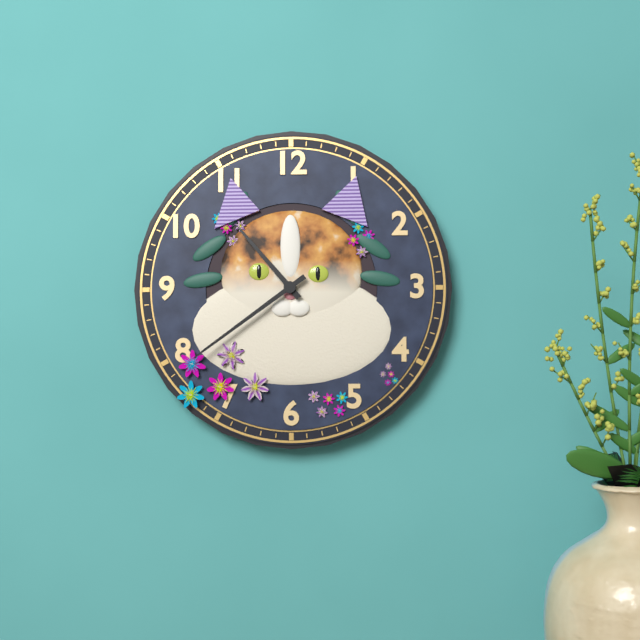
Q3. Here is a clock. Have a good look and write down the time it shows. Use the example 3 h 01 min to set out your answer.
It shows 10 h 39 min
